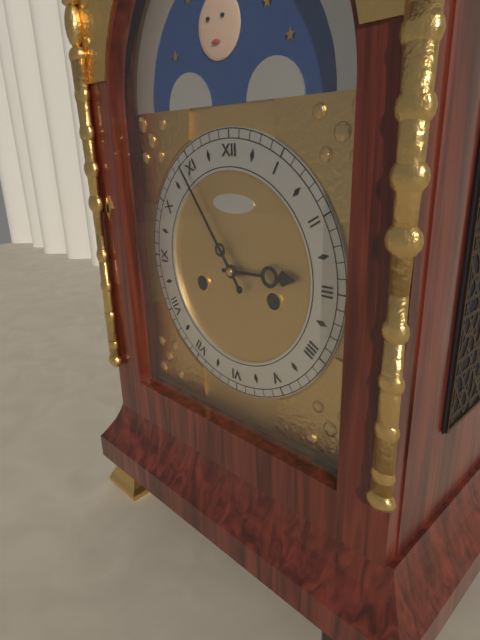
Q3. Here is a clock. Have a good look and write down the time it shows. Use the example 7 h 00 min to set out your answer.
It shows 2 h 54 min
